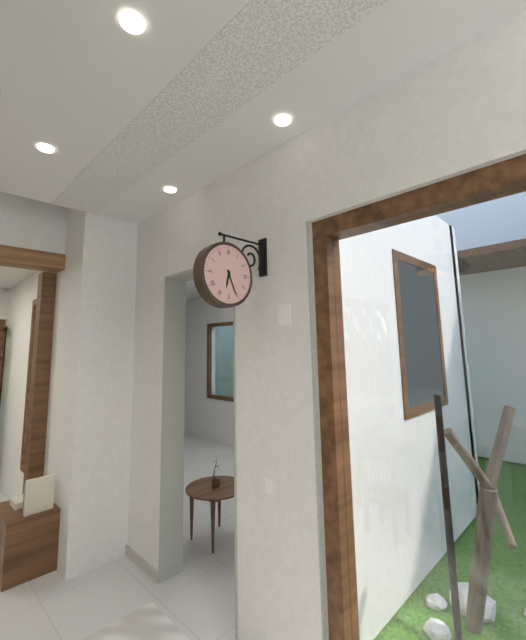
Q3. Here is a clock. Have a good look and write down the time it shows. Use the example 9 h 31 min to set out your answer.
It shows 6 h 26 min
